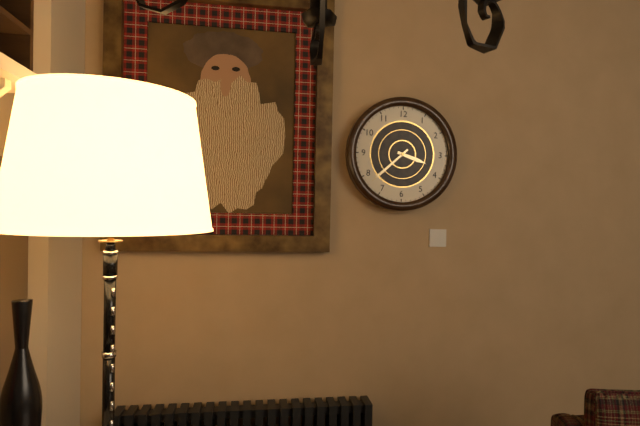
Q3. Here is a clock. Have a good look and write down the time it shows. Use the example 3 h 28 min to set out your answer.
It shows 3 h 38 min
